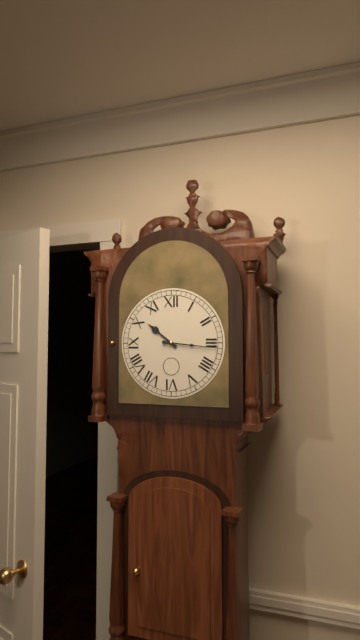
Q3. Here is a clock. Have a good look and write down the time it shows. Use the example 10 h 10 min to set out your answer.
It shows 10 h 16 min
